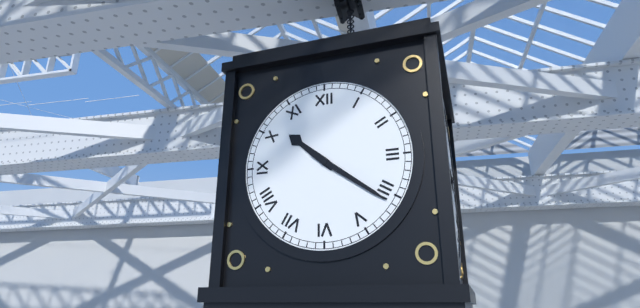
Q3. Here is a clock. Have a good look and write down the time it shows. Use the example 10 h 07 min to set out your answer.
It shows 10 h 21 min
